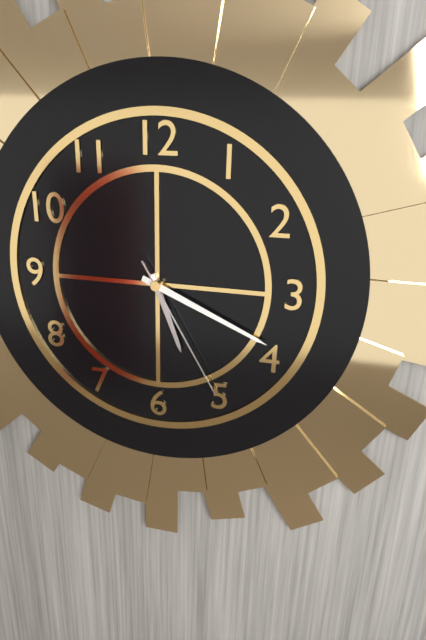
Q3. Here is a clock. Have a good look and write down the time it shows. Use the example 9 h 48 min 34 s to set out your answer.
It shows 5 h 19 min 25 s
